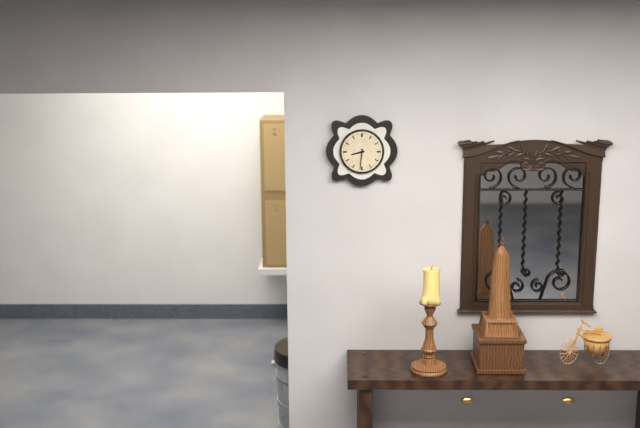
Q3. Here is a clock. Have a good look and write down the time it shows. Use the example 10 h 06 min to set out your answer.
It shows 8 h 31 min
